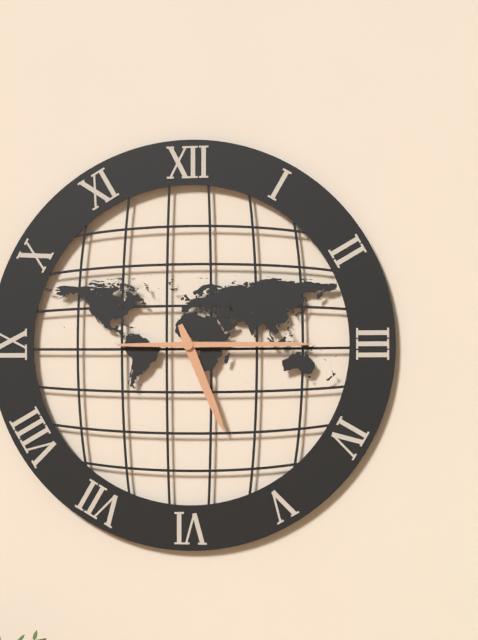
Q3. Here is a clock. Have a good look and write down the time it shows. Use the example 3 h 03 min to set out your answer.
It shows 5 h 15 min
